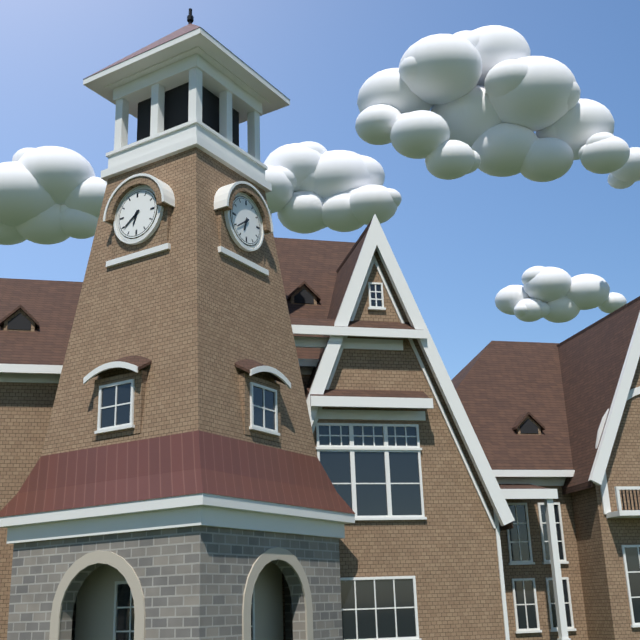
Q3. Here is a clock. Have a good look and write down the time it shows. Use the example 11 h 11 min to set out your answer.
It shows 6 h 39 min
